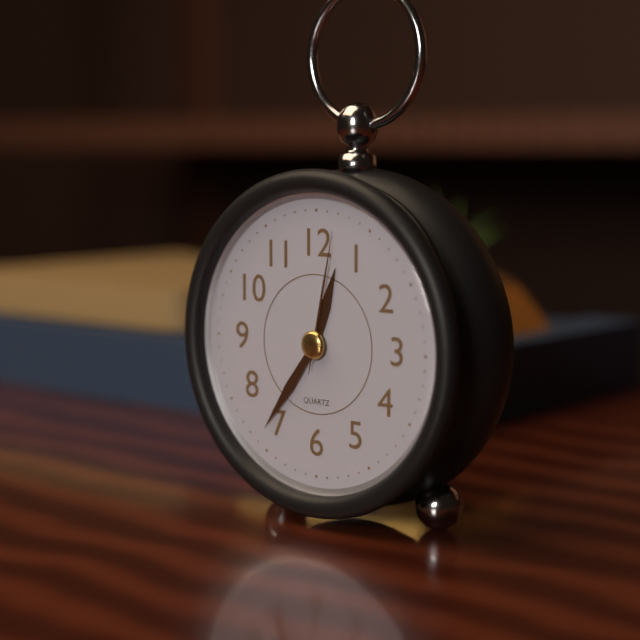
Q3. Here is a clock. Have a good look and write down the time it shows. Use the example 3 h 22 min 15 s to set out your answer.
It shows 12 h 36 min 02 s
